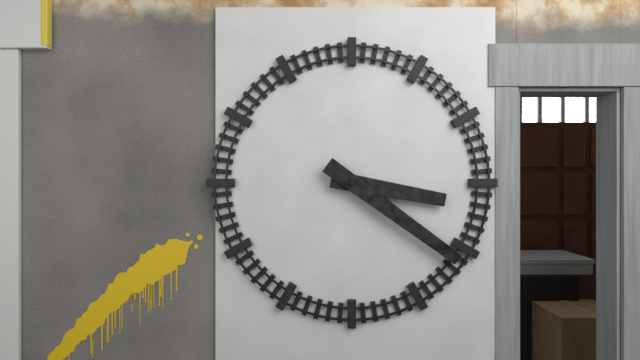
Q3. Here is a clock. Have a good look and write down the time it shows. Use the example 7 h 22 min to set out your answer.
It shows 3 h 21 min
